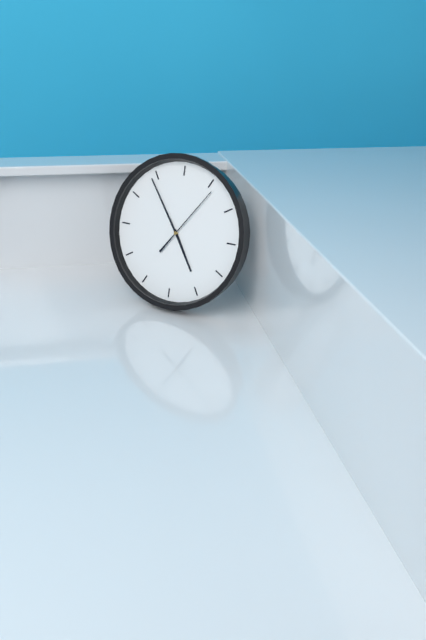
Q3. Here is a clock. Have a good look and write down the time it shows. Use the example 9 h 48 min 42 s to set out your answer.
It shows 4 h 54 min 06 s
